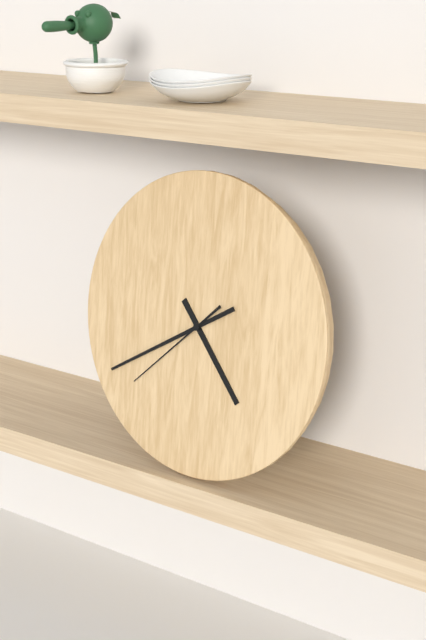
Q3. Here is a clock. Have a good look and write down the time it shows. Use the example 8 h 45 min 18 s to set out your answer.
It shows 4 h 40 min 38 s
